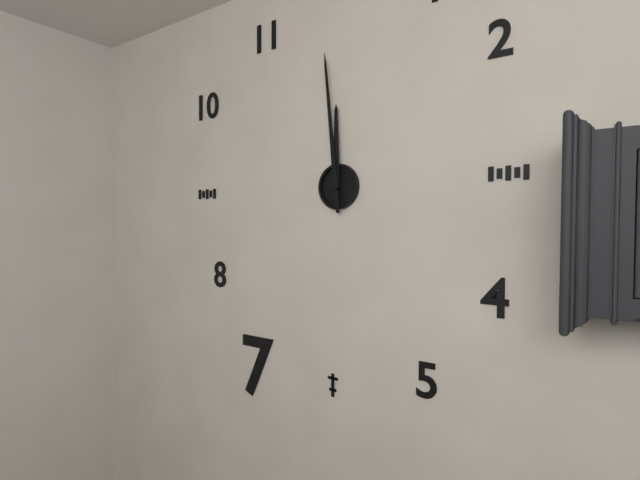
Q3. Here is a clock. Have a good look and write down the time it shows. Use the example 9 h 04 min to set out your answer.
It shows 11 h 59 min
